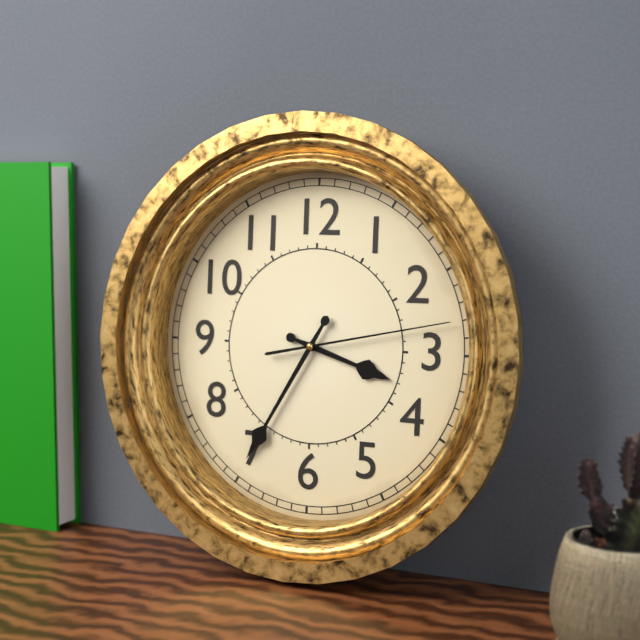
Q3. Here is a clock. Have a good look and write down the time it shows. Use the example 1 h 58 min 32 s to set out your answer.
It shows 3 h 35 min 13 s
